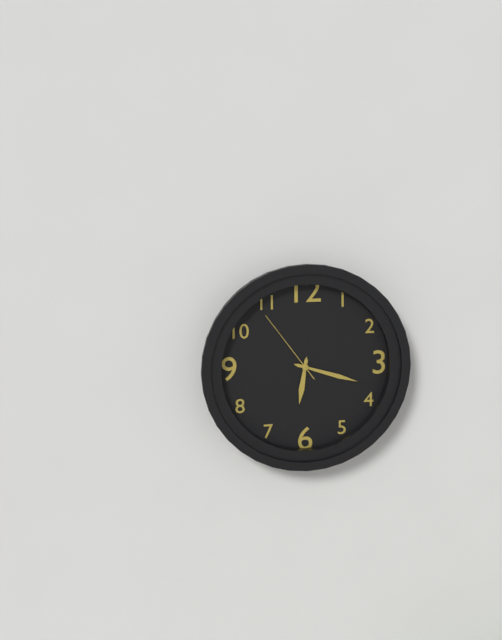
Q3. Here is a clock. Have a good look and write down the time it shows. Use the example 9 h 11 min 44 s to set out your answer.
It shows 6 h 18 min 54 s
